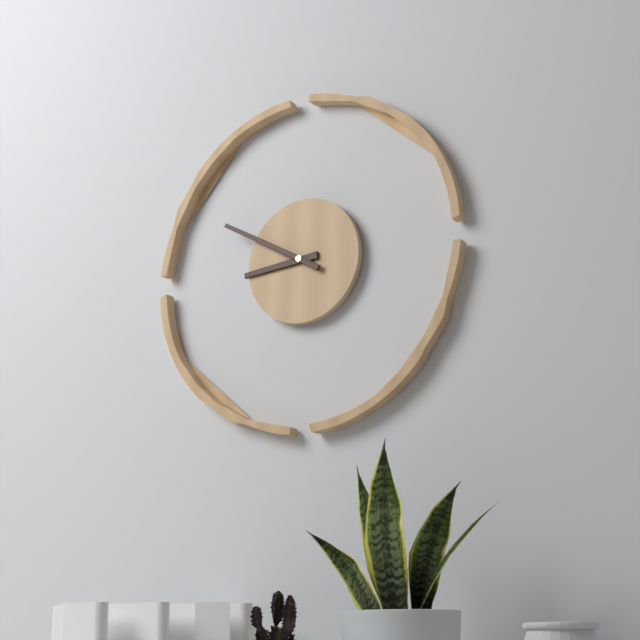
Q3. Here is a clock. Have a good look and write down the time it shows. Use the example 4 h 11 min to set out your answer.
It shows 8 h 50 min
